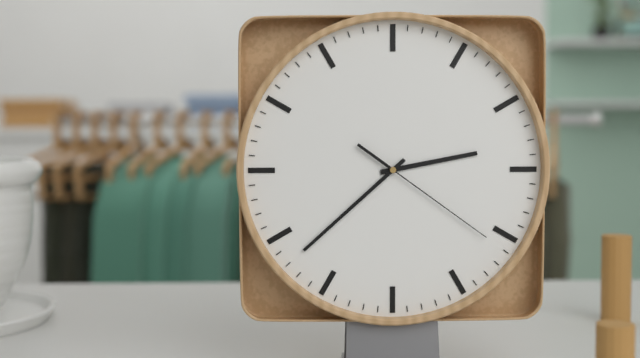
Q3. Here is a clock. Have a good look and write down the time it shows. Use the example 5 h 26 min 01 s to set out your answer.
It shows 2 h 38 min 21 s
